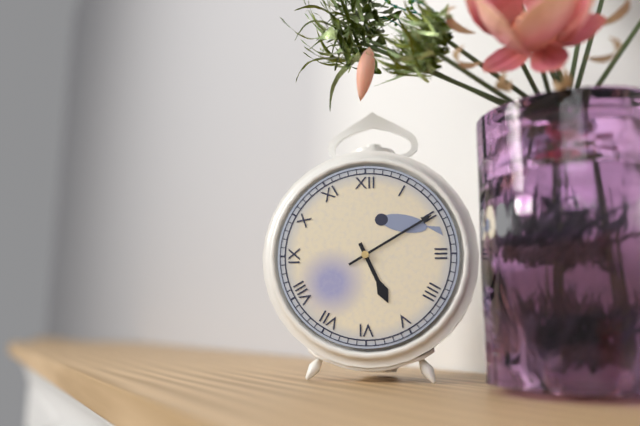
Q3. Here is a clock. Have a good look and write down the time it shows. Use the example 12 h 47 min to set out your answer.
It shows 5 h 10 min
